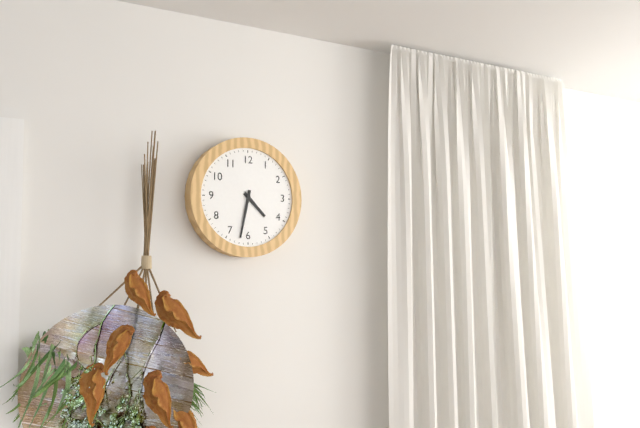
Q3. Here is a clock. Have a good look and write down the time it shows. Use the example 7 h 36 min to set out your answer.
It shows 4 h 32 min
